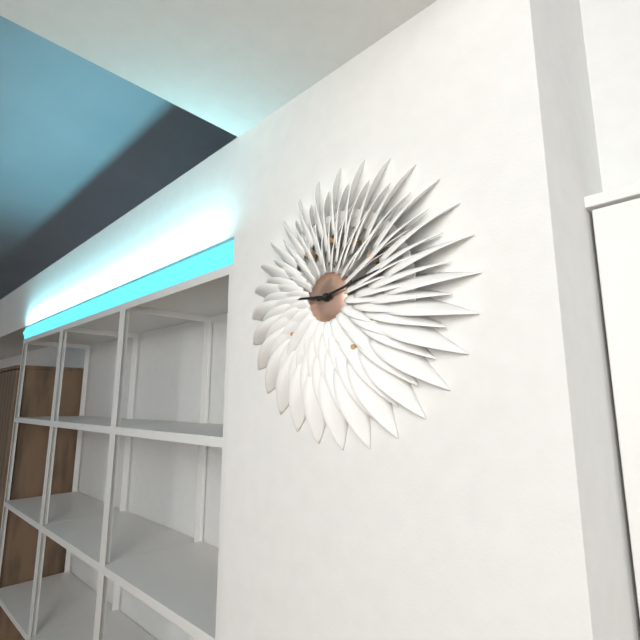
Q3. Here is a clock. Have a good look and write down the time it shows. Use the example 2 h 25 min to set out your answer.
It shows 9 h 13 min
